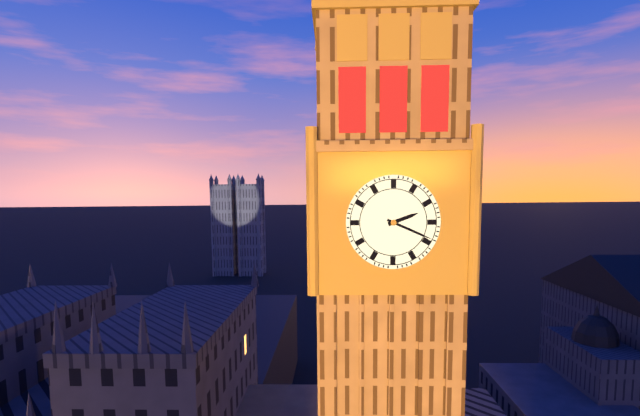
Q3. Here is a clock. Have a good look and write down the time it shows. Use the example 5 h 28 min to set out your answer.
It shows 2 h 19 min
